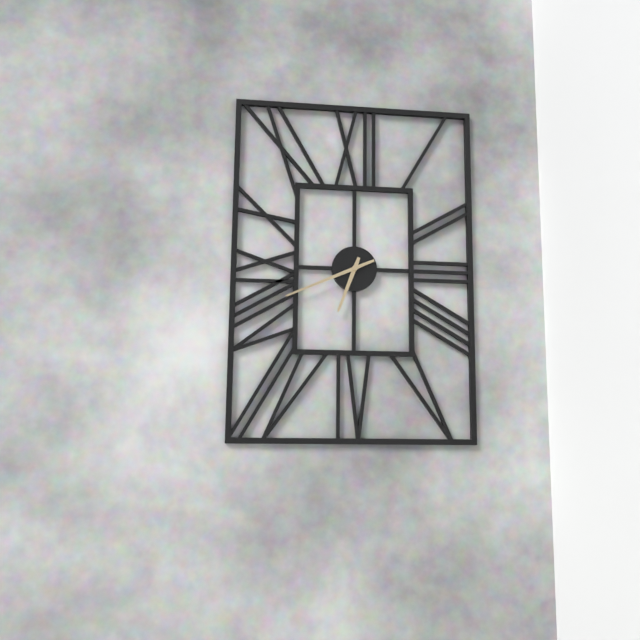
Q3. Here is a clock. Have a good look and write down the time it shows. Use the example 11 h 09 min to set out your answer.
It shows 6 h 41 min
